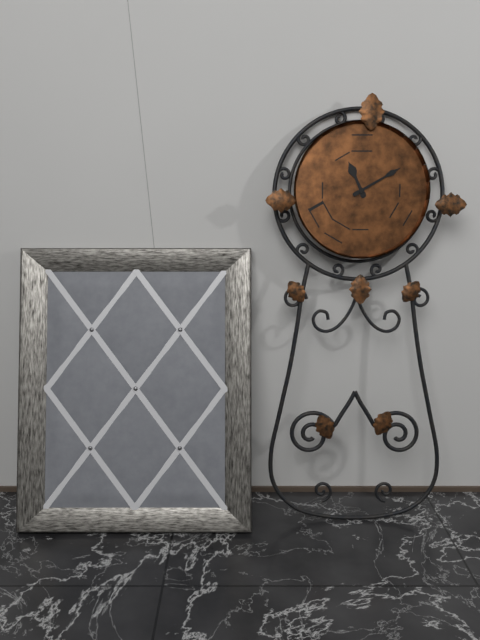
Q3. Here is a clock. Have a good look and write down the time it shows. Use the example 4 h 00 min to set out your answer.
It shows 11 h 10 min
